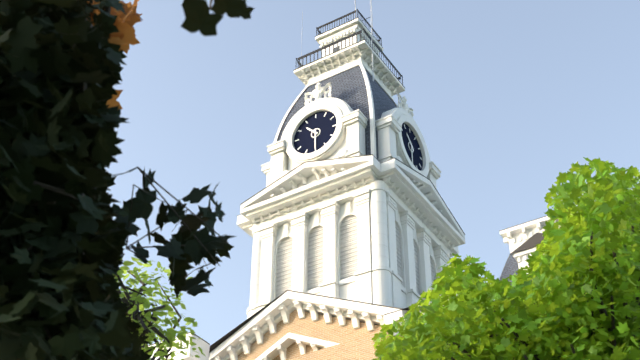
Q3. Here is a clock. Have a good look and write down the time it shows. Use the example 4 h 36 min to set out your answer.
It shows 10 h 30 min
